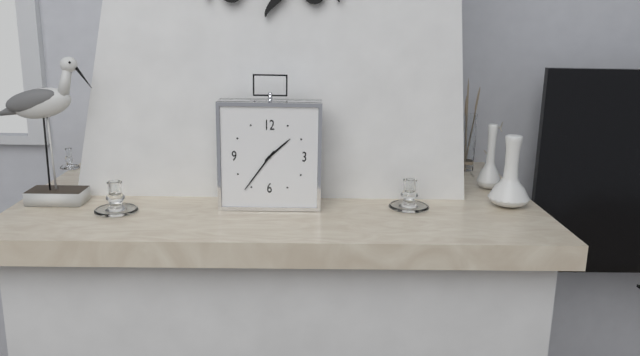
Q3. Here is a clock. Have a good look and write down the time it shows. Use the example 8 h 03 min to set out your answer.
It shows 1 h 36 min
